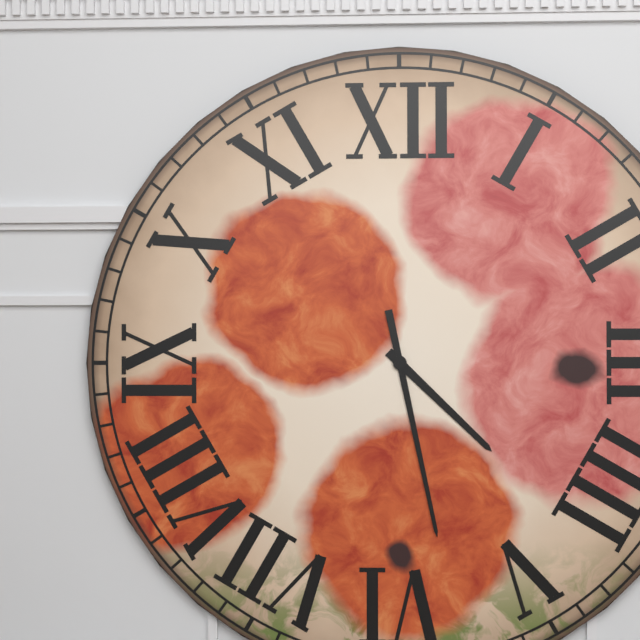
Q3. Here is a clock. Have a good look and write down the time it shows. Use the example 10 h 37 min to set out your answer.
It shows 4 h 28 min
